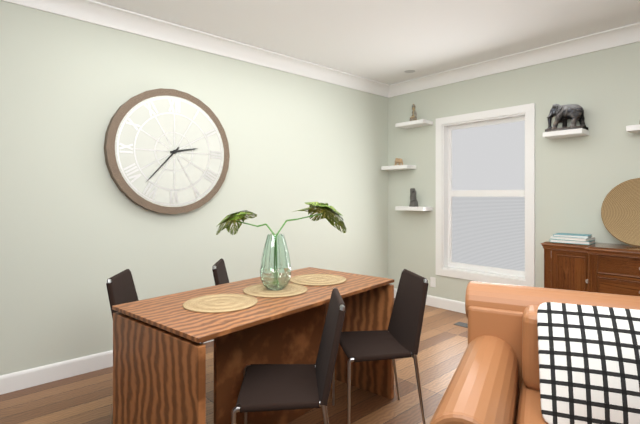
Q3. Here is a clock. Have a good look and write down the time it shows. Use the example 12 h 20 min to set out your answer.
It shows 2 h 37 min
